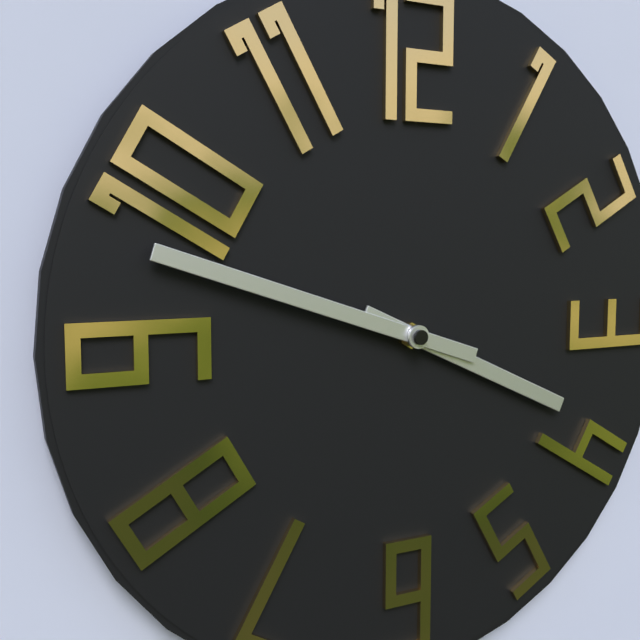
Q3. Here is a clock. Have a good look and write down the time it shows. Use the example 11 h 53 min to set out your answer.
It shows 3 h 48 min
